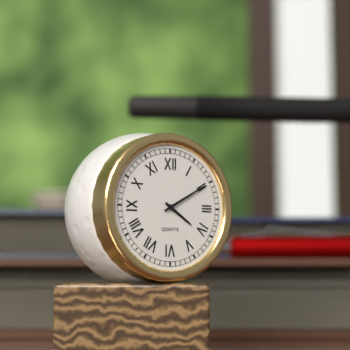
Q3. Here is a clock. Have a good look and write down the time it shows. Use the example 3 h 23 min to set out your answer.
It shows 4 h 10 min
